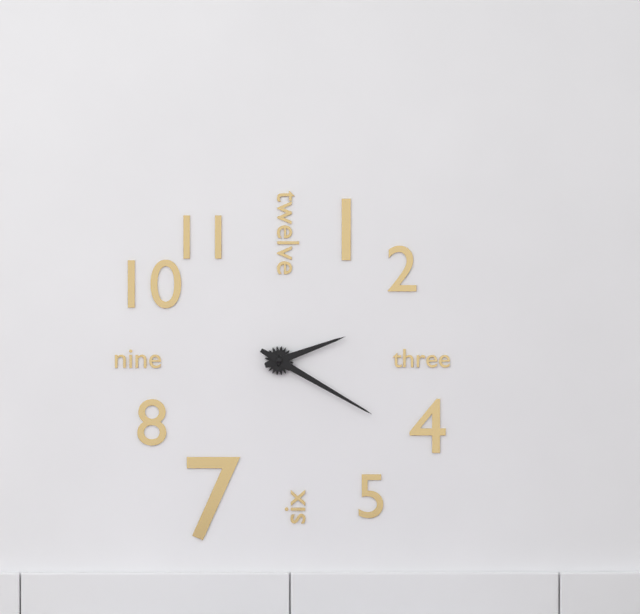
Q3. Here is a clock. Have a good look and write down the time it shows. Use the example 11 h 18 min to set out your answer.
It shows 2 h 20 min
